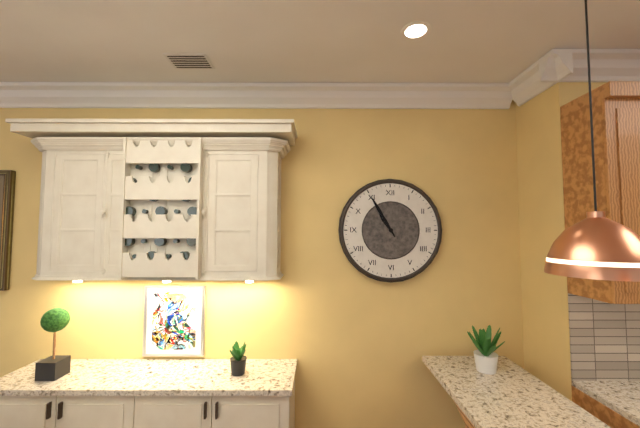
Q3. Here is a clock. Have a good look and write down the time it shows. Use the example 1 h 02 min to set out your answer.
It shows 10 h 55 min
